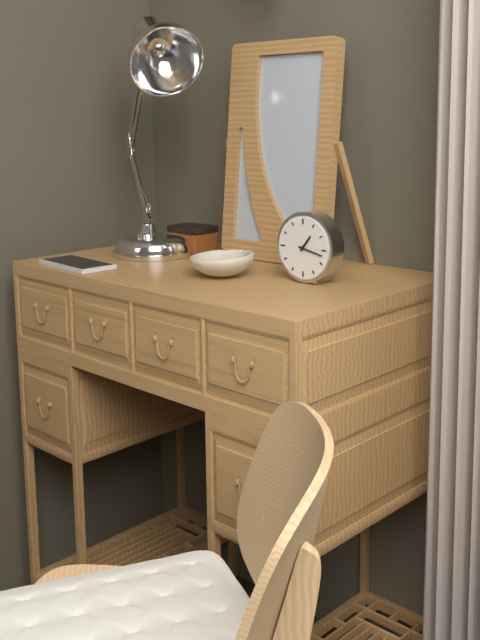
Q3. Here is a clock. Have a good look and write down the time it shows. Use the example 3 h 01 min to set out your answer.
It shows 1 h 17 min
